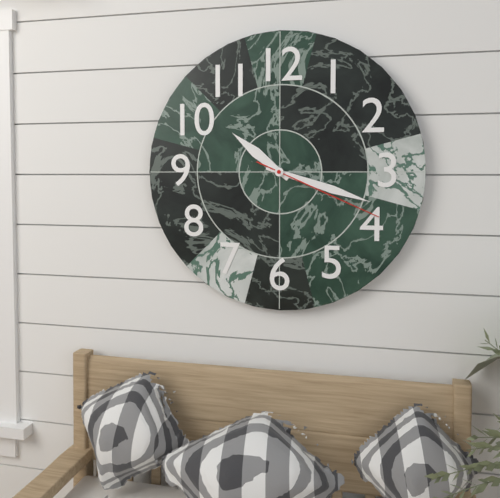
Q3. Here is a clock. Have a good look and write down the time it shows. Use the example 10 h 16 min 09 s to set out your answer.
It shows 10 h 18 min 19 s
